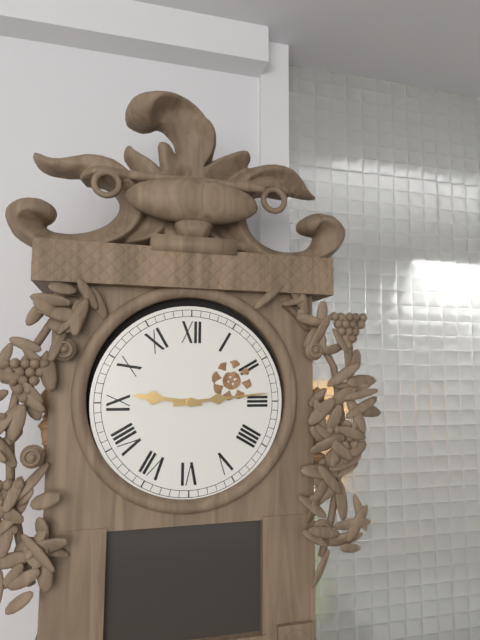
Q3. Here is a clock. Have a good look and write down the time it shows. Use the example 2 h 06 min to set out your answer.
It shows 9 h 14 min
